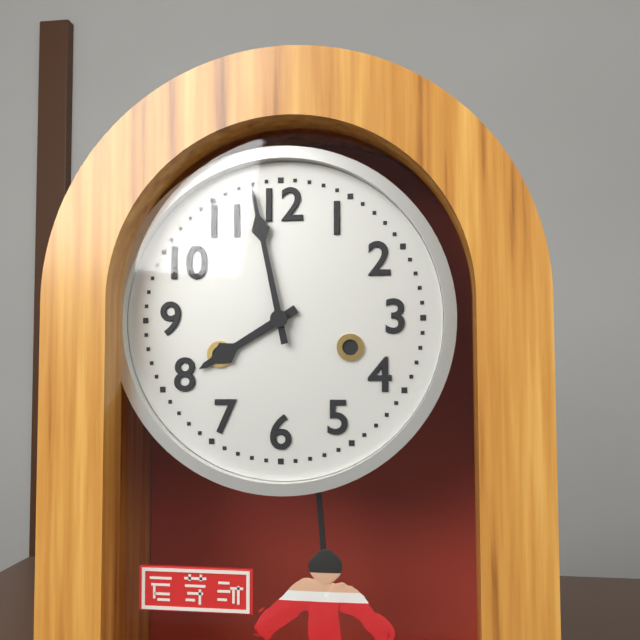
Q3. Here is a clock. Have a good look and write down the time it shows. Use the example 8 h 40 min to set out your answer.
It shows 7 h 58 min
